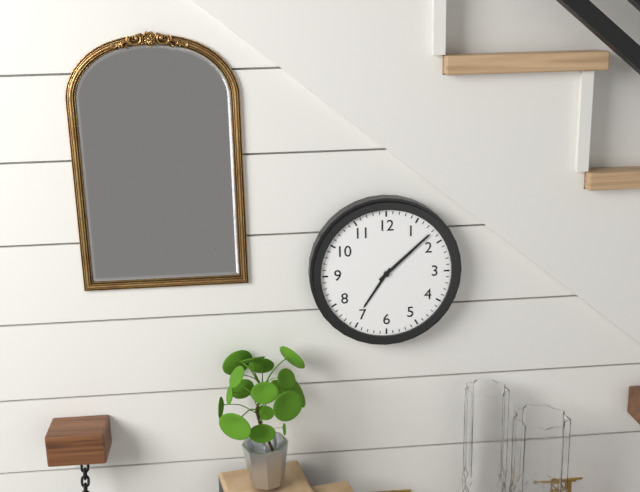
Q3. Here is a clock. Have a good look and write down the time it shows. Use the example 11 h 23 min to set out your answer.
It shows 7 h 08 min
